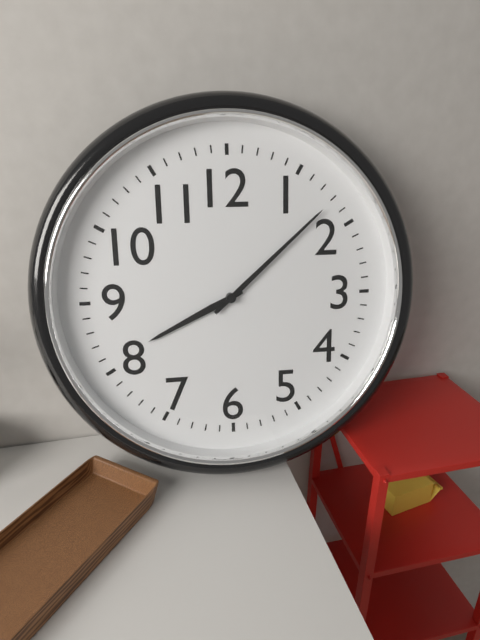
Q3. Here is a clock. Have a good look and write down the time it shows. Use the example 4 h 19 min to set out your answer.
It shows 8 h 08 min
